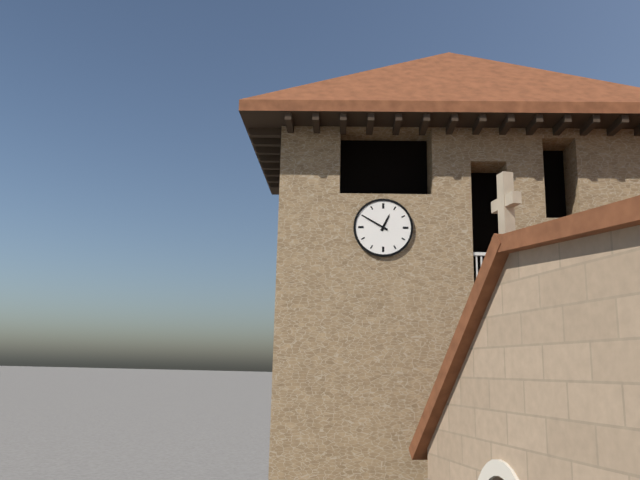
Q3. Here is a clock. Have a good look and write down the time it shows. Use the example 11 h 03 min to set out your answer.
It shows 12 h 50 min
